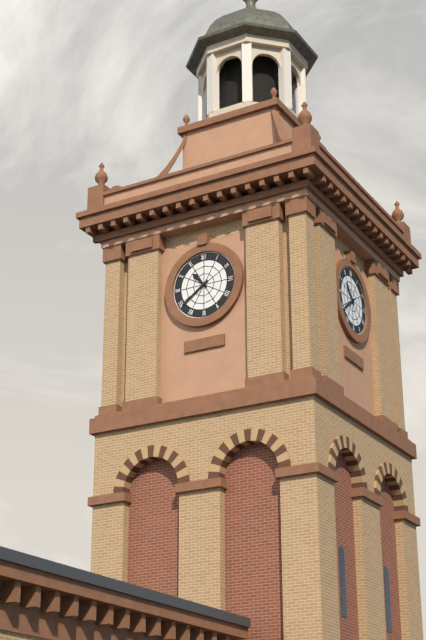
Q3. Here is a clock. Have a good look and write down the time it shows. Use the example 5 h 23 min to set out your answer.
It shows 10 h 39 min
